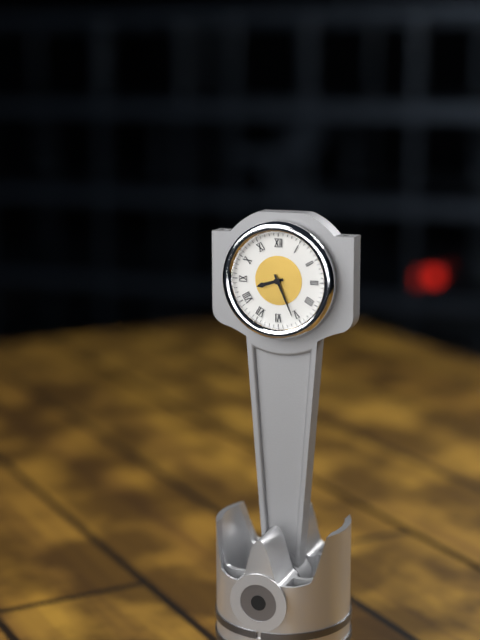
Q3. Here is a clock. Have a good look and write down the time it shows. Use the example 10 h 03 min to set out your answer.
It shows 8 h 26 min
